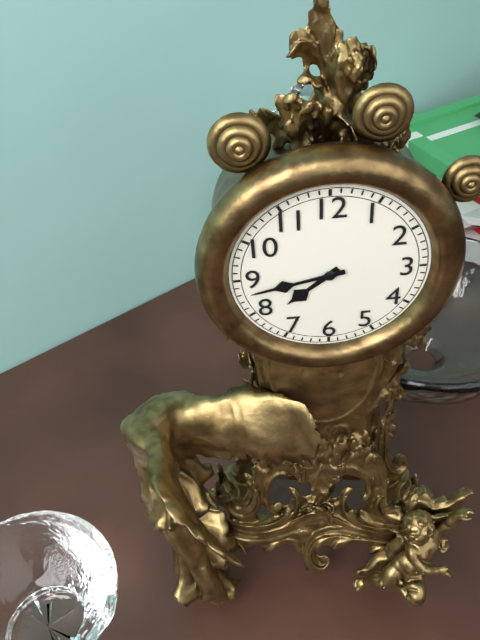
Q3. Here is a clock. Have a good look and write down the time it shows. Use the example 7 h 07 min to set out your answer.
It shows 7 h 43 min
